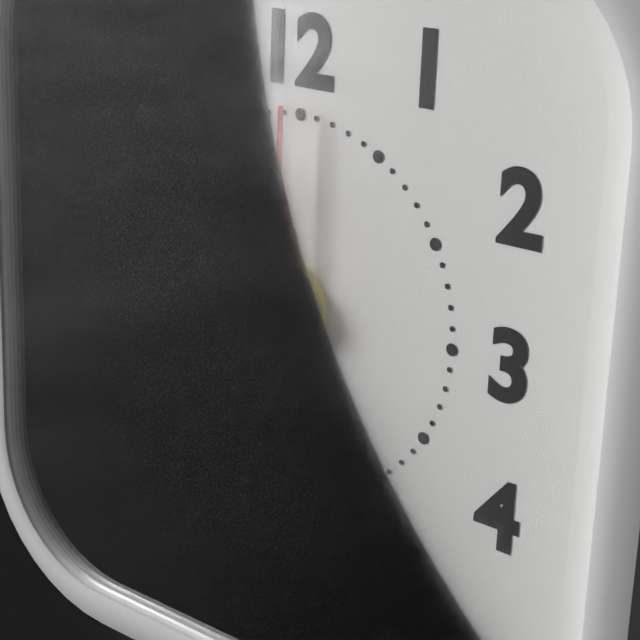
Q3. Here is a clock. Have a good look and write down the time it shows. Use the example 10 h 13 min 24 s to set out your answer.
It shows 9 h 54 min 00 s
